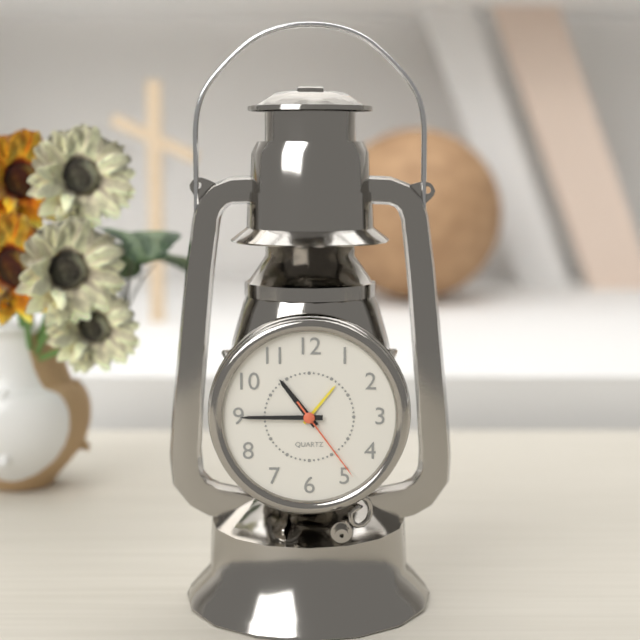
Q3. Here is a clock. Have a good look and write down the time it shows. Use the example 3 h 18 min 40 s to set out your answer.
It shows 10 h 45 min 24 s
